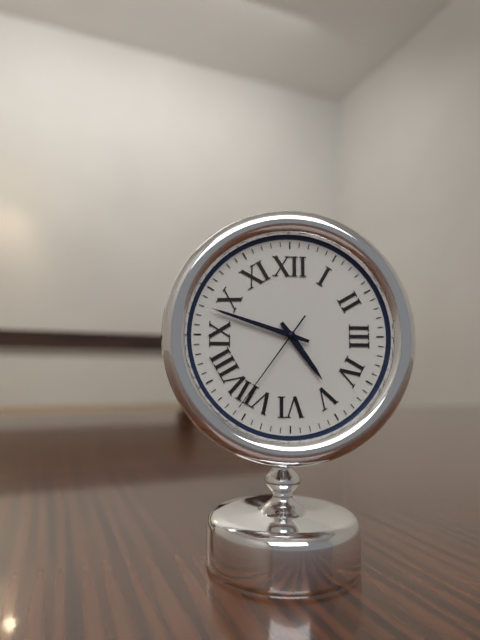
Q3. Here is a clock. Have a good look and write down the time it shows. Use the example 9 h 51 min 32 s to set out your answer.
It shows 4 h 48 min 36 s
